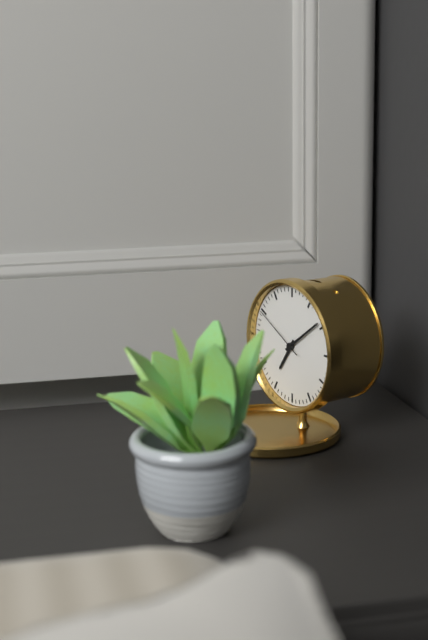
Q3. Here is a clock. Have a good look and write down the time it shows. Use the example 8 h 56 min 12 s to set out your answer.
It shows 7 h 09 min 50 s
